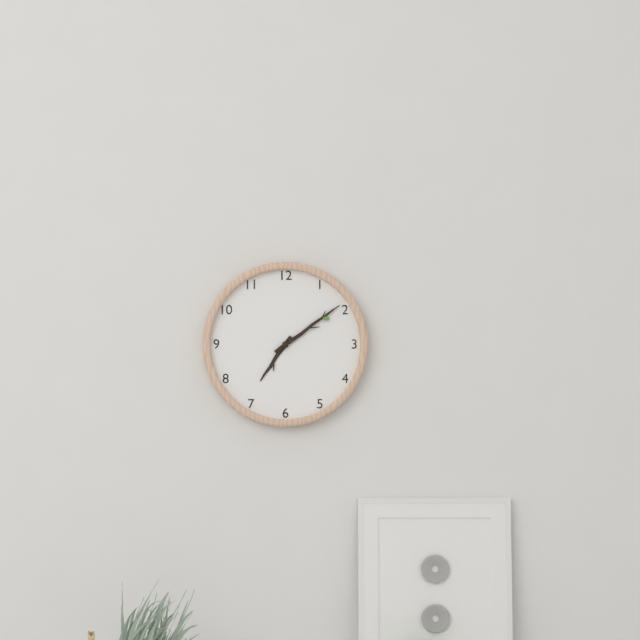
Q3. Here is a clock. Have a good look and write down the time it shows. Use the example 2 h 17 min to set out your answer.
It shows 7 h 09 min
